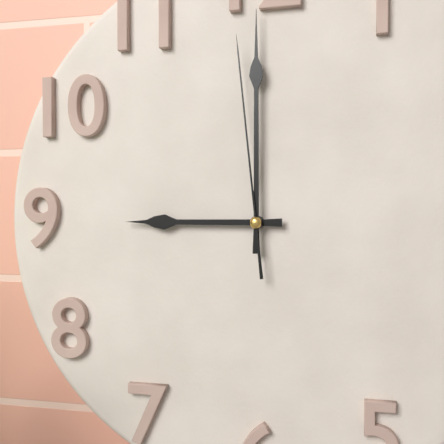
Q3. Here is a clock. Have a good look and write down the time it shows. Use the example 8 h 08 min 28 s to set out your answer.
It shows 9 h 00 min 59 s
